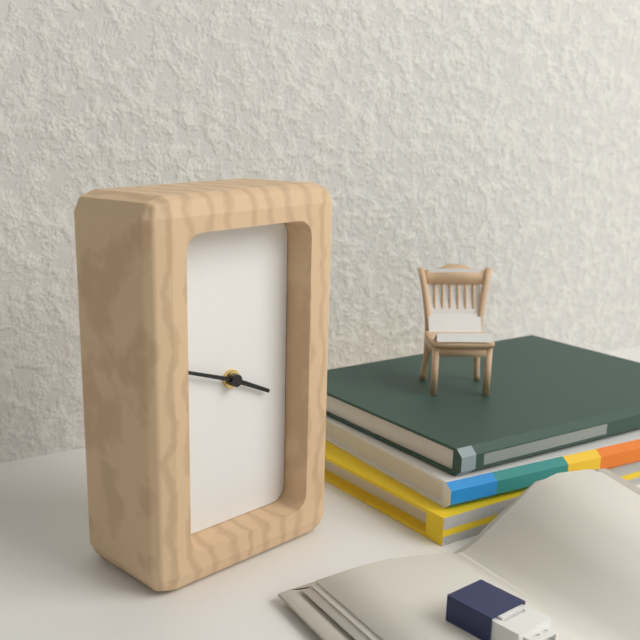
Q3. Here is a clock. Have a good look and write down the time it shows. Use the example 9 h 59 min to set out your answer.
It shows 3 h 48 min
